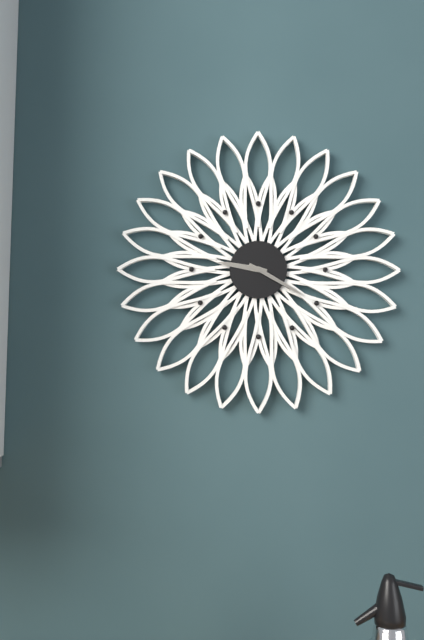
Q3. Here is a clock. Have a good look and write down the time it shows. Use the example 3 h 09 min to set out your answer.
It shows 9 h 20 min
